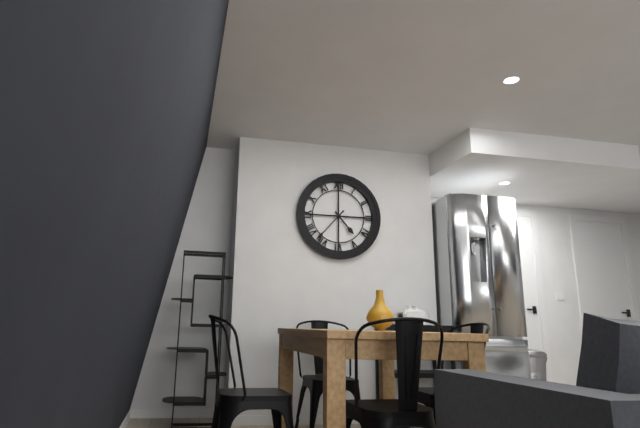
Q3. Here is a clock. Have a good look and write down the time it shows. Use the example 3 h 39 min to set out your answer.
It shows 4 h 37 min
